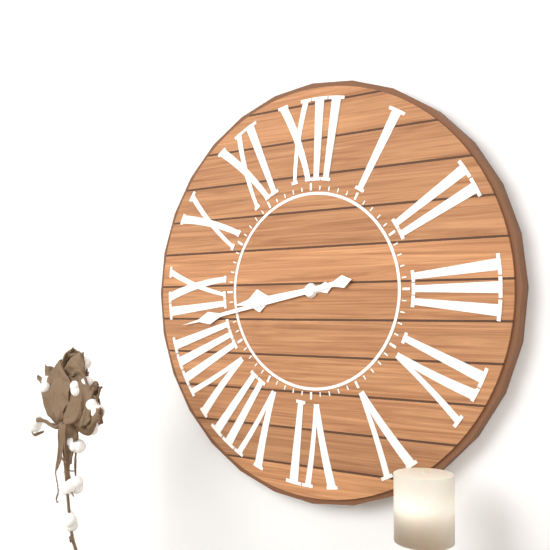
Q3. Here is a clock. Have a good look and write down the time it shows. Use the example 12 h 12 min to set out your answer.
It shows 8 h 43 min
